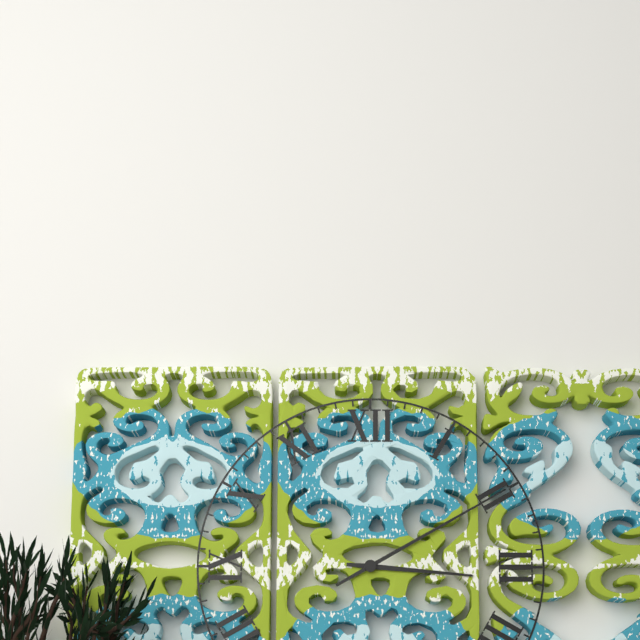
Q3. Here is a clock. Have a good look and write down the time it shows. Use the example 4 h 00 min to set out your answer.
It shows 3 h 10 min
